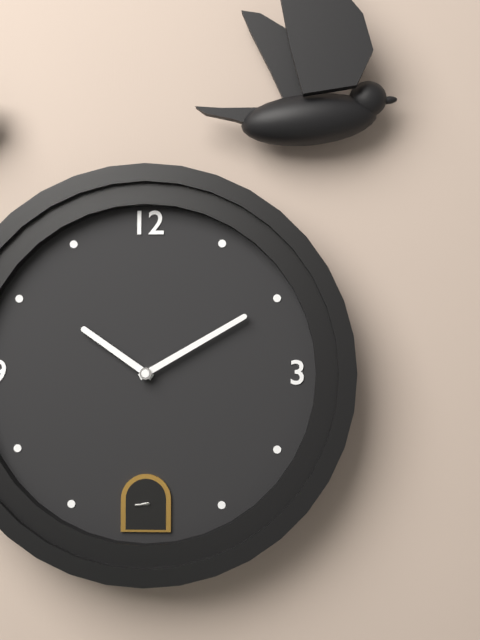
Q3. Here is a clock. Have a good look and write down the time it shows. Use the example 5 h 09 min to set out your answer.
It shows 10 h 10 min
